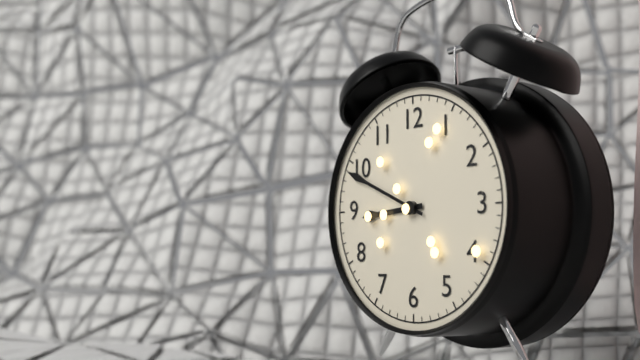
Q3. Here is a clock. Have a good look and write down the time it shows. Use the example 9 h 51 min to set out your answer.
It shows 8 h 49 min
